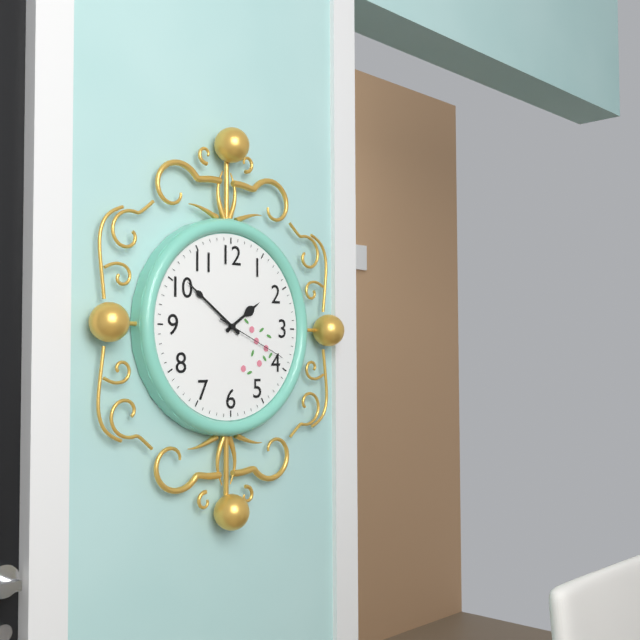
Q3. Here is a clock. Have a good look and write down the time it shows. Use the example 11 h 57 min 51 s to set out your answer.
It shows 1 h 51 min 19 s
